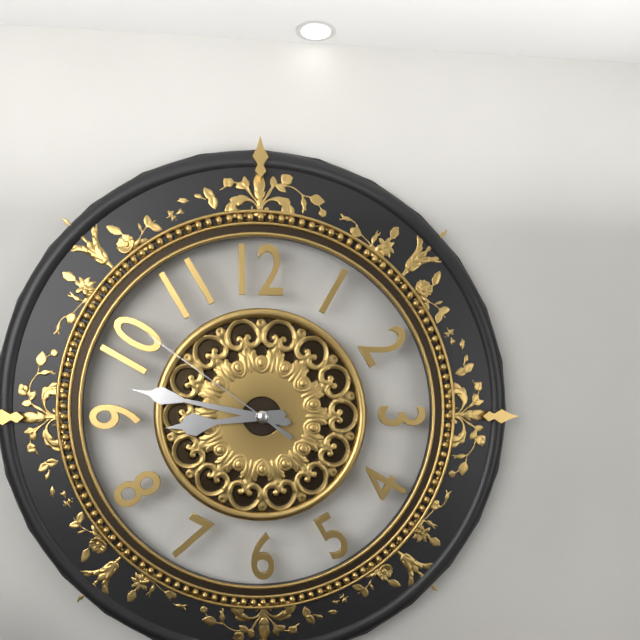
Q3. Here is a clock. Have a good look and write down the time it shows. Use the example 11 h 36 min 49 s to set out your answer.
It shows 8 h 47 min 51 s
